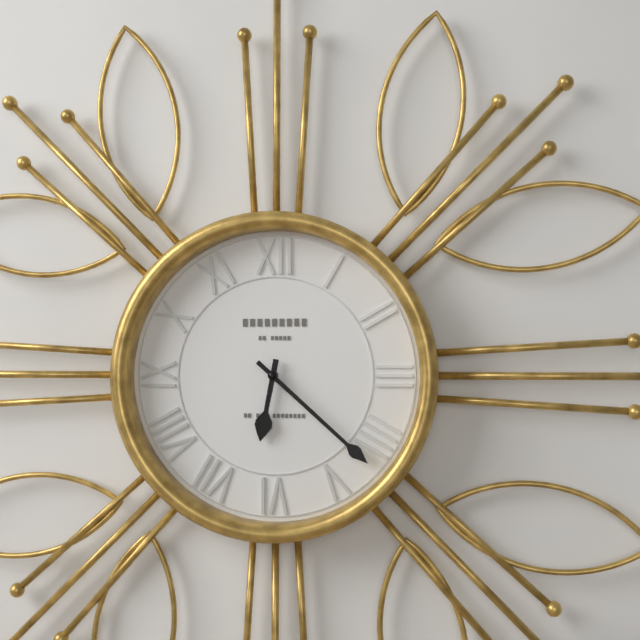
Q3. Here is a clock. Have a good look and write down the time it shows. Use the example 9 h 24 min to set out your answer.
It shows 6 h 22 min
